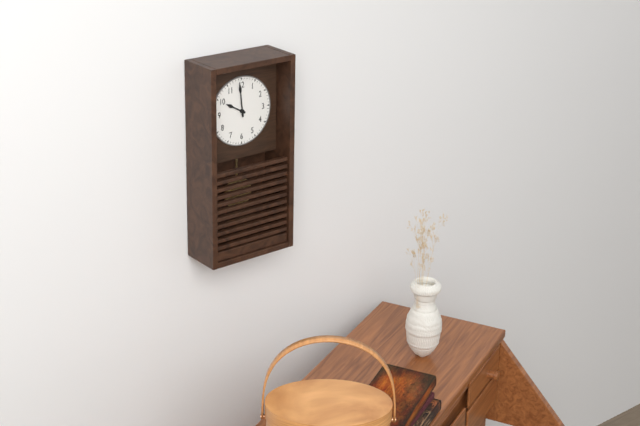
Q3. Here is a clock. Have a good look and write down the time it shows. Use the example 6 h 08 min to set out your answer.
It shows 9 h 59 min
